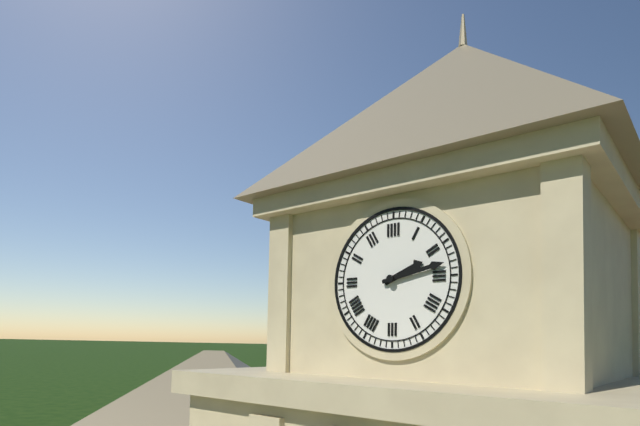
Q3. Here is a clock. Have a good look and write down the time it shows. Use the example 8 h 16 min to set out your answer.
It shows 2 h 13 min
